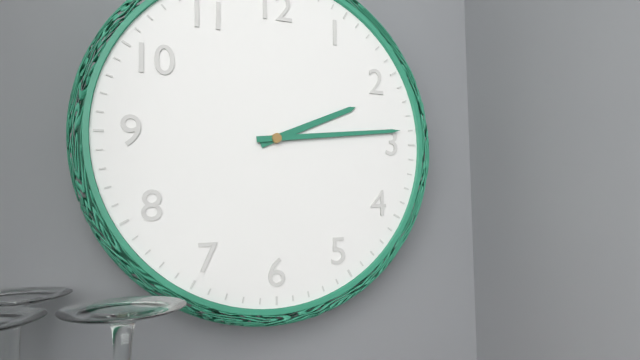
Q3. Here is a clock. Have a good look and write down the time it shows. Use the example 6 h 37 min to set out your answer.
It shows 2 h 14 min
